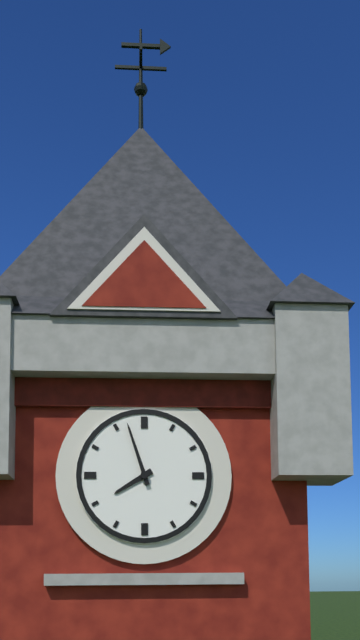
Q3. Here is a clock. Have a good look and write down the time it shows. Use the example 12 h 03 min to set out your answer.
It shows 7 h 57 min
